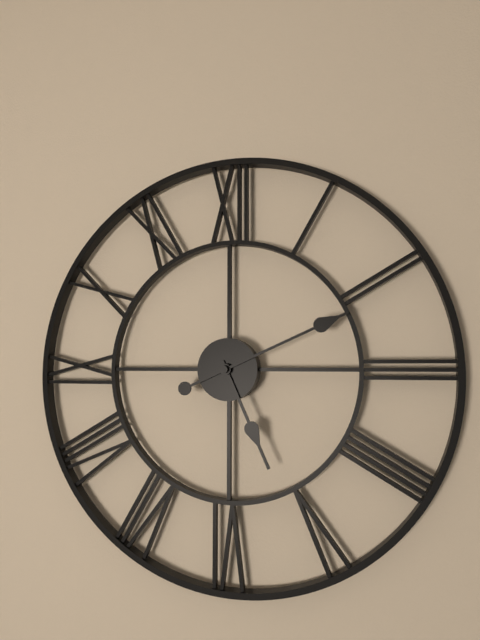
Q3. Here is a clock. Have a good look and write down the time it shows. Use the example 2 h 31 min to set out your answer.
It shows 5 h 11 min
